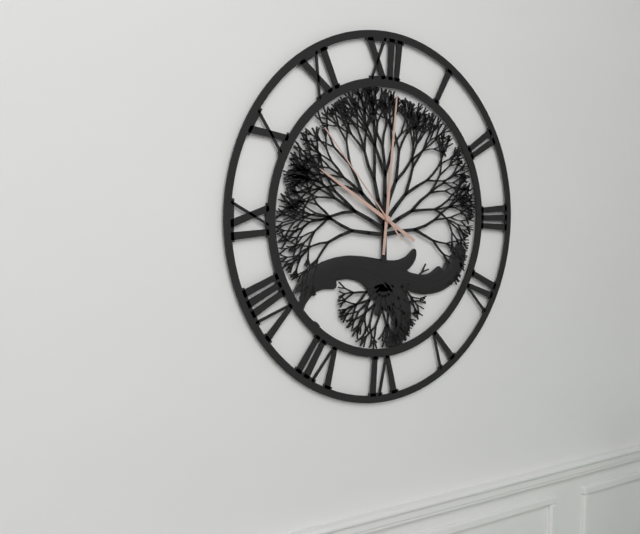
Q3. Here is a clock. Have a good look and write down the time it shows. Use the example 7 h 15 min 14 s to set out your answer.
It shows 10 h 01 min 53 s
